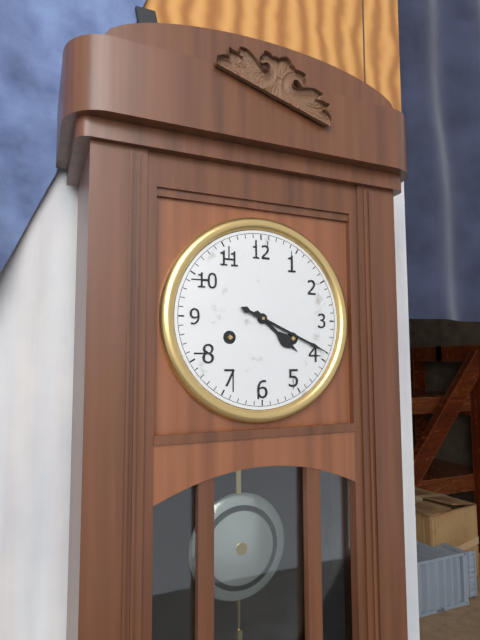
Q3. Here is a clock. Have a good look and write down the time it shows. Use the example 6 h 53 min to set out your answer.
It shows 4 h 19 min
